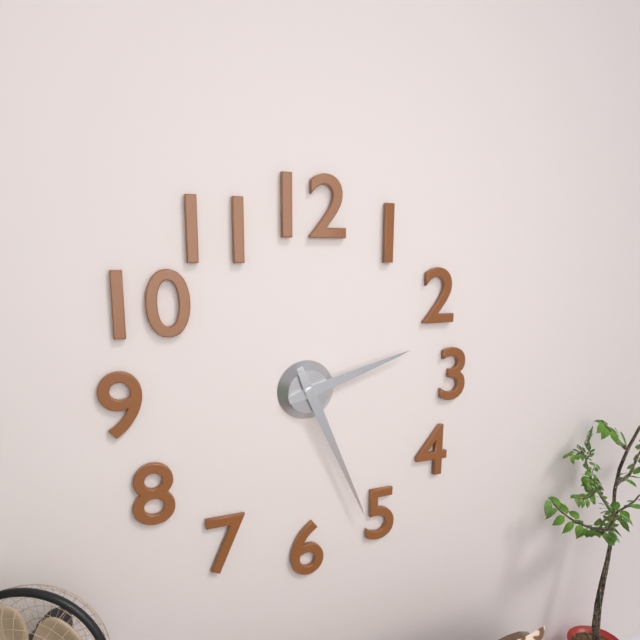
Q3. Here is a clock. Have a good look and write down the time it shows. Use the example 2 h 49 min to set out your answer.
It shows 2 h 26 min
